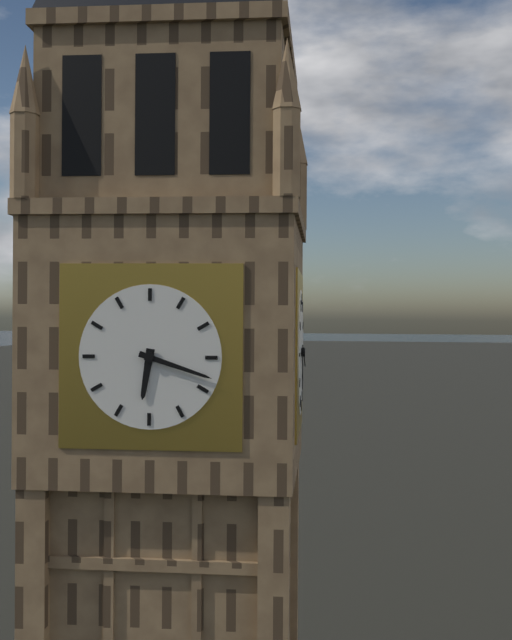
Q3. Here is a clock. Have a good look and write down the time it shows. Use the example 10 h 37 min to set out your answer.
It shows 6 h 18 min
